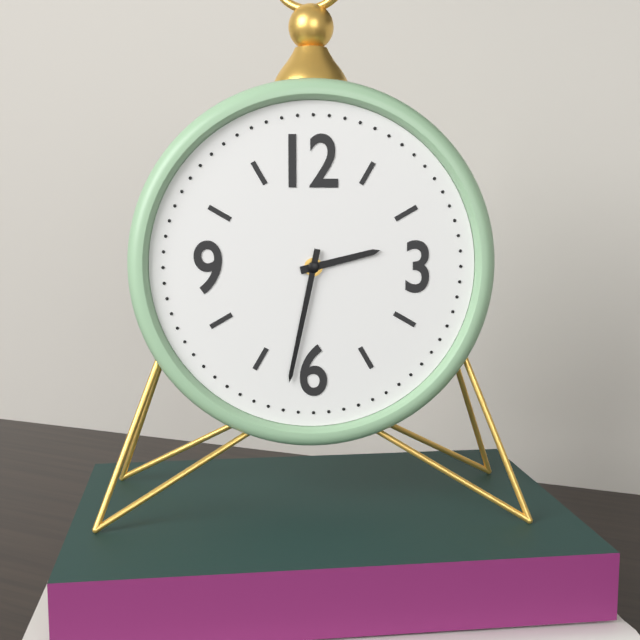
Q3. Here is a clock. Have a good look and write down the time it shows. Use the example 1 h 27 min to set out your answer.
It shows 2 h 32 min
